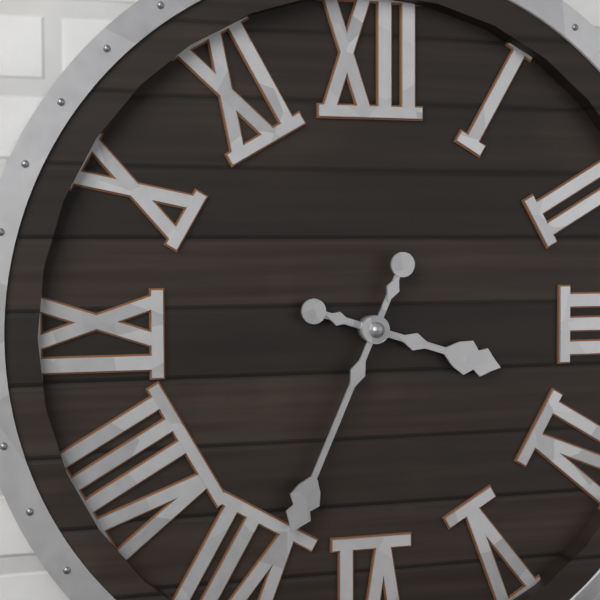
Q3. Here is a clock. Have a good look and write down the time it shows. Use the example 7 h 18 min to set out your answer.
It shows 3 h 34 min
